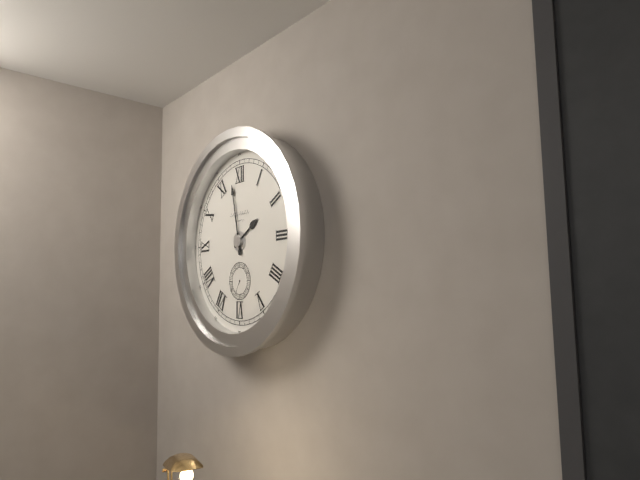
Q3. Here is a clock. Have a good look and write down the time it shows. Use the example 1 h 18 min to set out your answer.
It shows 1 h 58 min
